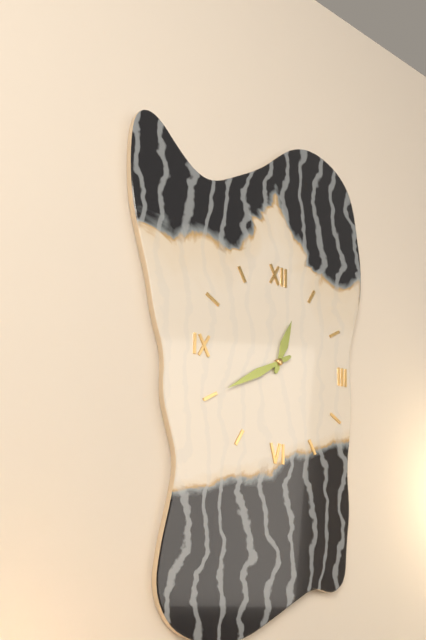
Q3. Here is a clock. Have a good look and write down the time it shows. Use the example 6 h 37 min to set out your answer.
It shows 12 h 40 min
